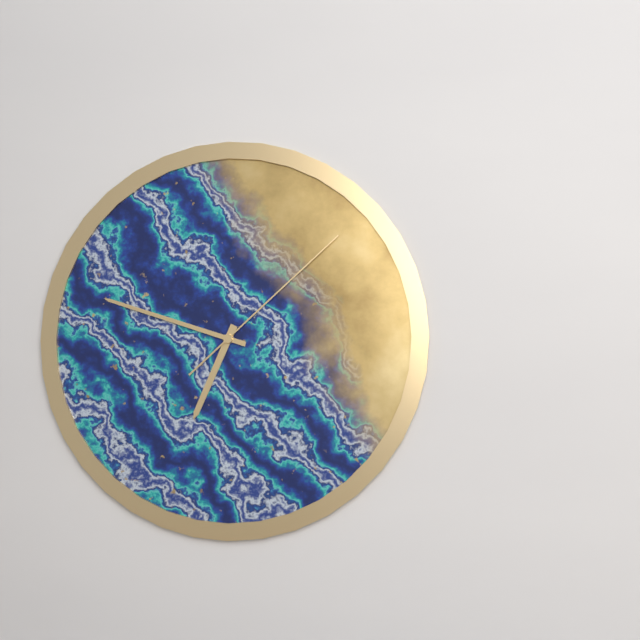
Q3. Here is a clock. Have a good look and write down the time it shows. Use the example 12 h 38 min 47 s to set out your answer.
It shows 6 h 48 min 08 s
